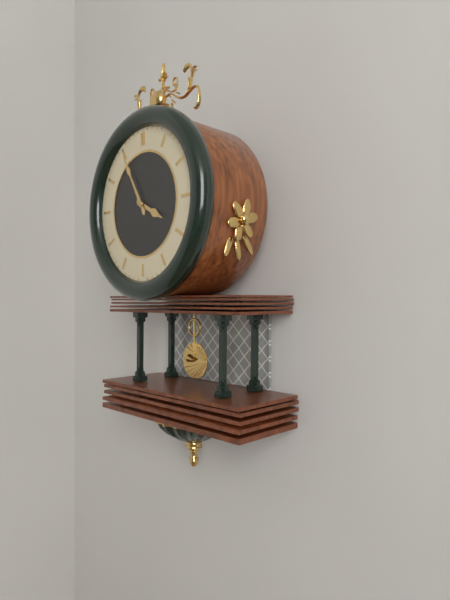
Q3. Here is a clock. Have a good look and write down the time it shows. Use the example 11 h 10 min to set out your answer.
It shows 3 h 55 min
